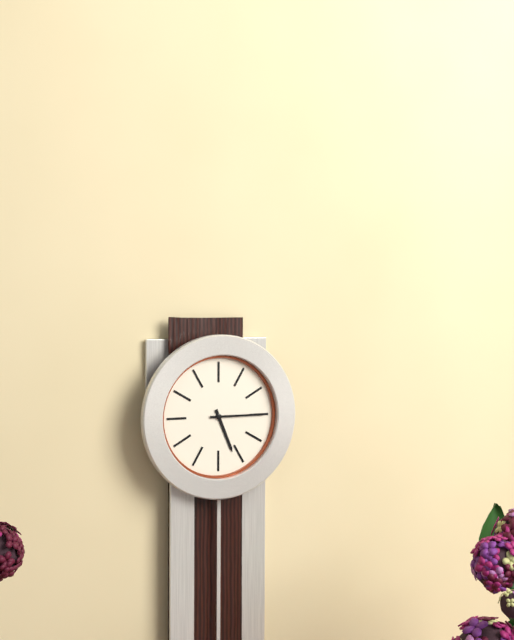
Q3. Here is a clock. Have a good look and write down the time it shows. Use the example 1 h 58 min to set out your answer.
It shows 5 h 15 min
